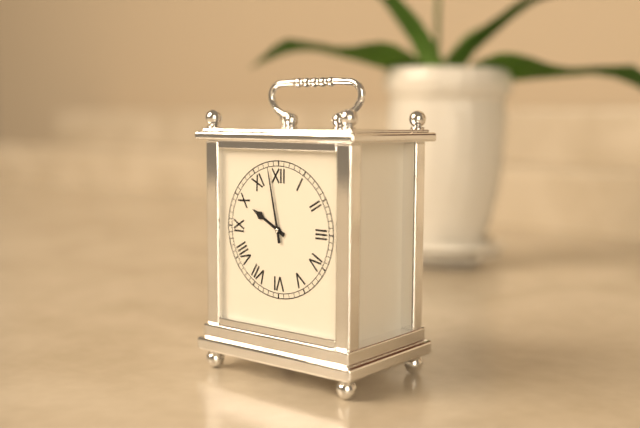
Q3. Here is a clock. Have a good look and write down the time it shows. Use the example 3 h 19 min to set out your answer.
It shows 9 h 58 min
